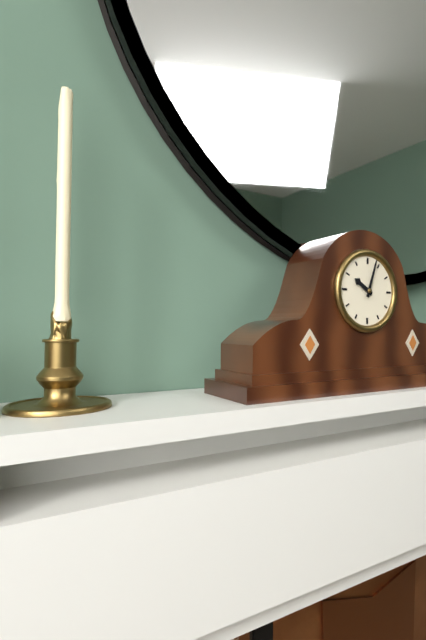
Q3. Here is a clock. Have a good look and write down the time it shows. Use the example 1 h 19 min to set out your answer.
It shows 10 h 03 min
